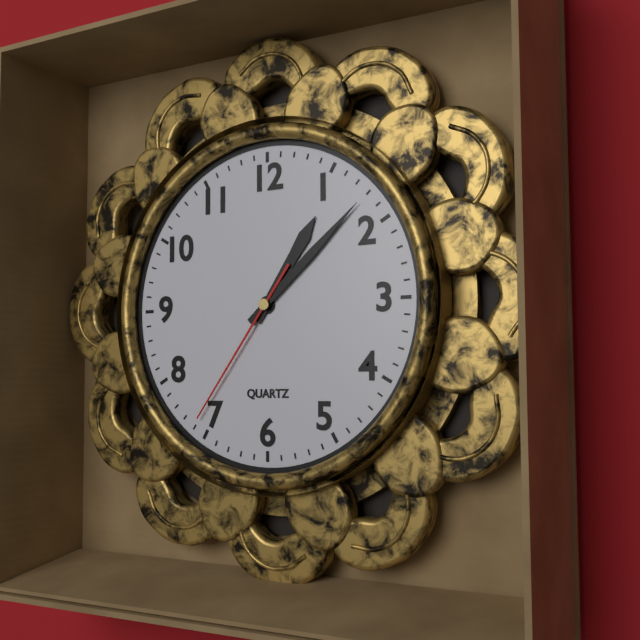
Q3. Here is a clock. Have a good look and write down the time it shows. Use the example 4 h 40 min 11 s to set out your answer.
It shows 1 h 08 min 36 s
